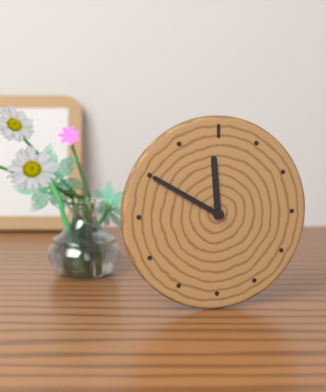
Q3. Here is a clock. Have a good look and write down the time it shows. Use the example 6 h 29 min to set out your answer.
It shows 11 h 50 min
